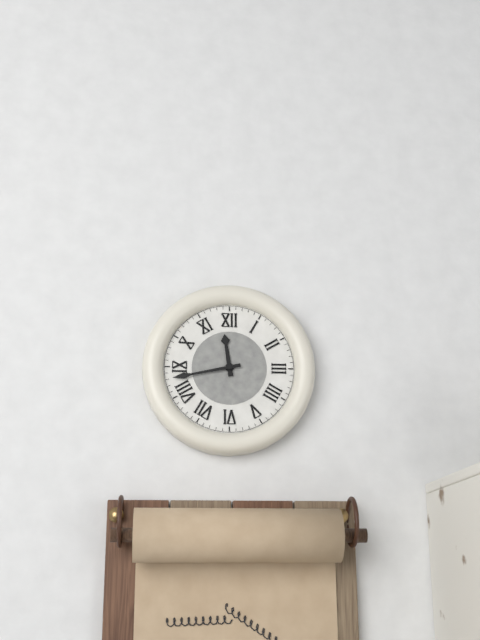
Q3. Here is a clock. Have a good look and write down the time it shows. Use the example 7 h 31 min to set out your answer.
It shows 11 h 43 min
